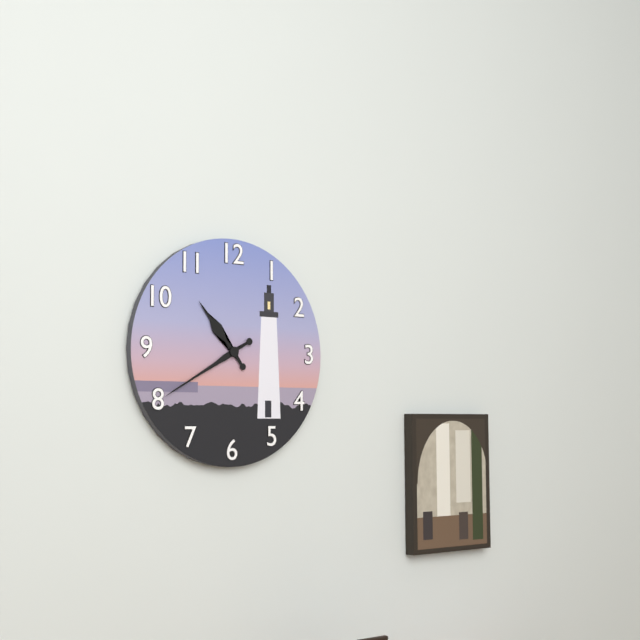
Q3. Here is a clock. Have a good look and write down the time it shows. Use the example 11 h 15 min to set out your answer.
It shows 10 h 40 min
